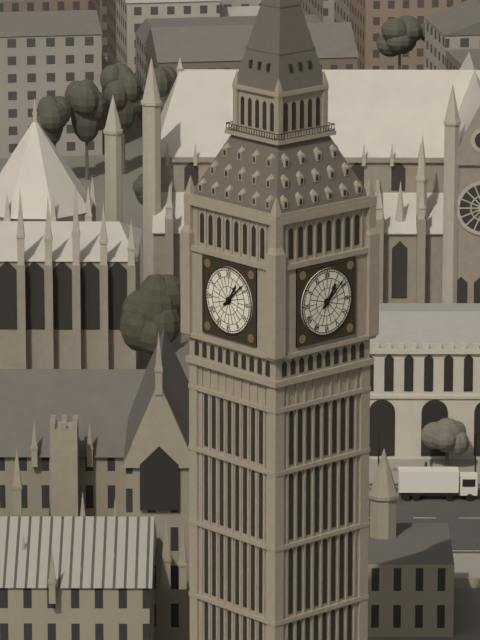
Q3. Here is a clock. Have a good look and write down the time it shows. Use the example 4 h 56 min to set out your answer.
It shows 1 h 08 min
